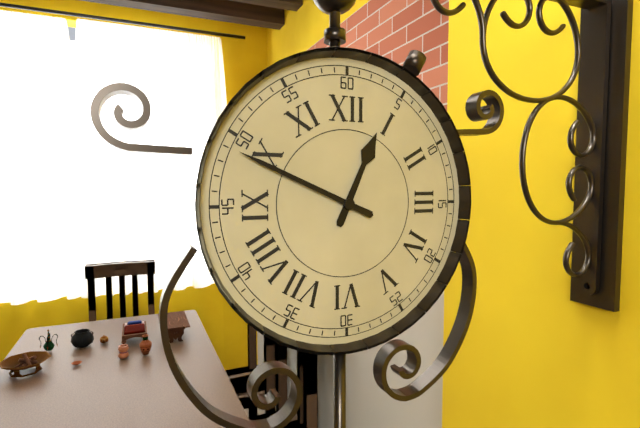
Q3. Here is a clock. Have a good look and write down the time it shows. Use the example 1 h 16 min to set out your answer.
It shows 12 h 49 min
